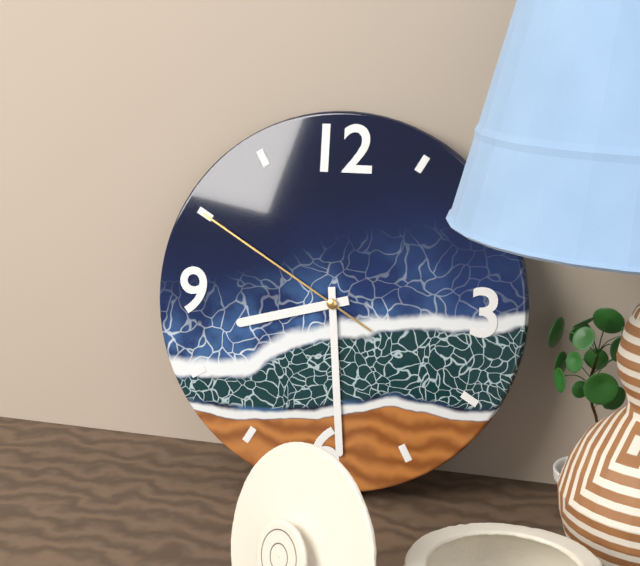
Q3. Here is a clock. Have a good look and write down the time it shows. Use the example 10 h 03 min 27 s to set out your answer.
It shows 8 h 29 min 50 s
